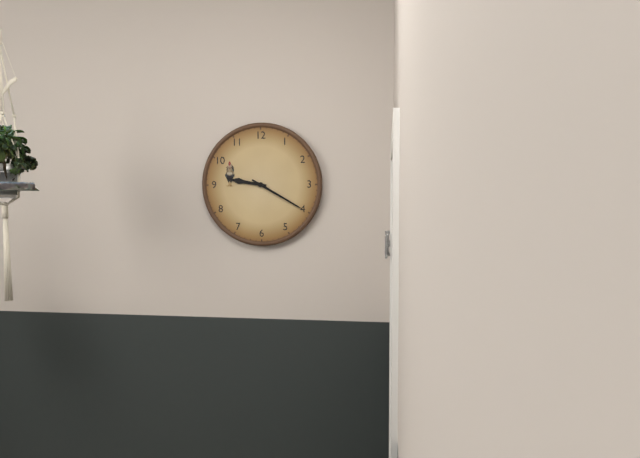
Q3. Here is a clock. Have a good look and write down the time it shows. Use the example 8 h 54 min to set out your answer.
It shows 9 h 20 min
